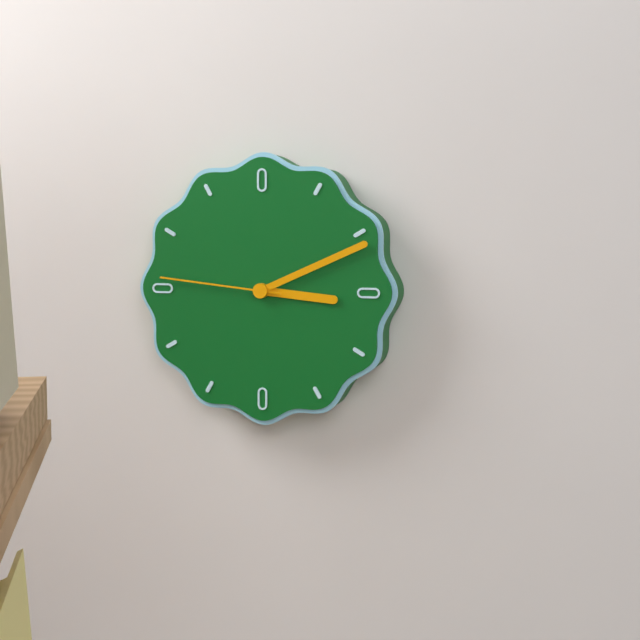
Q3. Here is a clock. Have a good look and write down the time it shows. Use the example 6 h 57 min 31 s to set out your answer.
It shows 3 h 11 min 46 s
